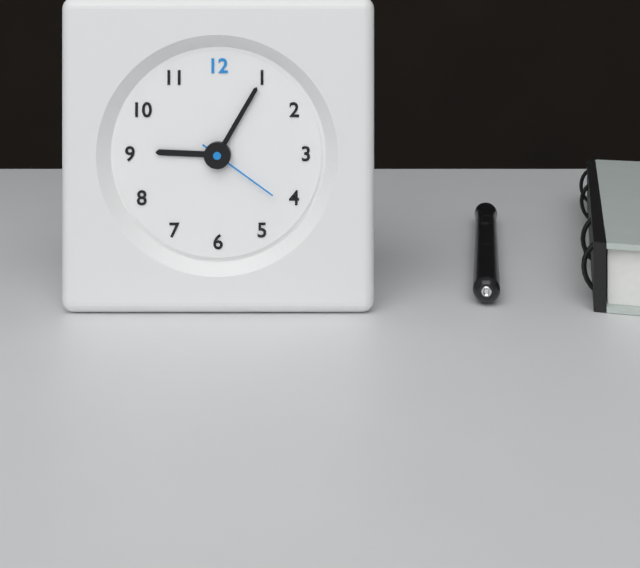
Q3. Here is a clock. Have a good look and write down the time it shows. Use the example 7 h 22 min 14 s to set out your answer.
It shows 9 h 05 min 21 s
